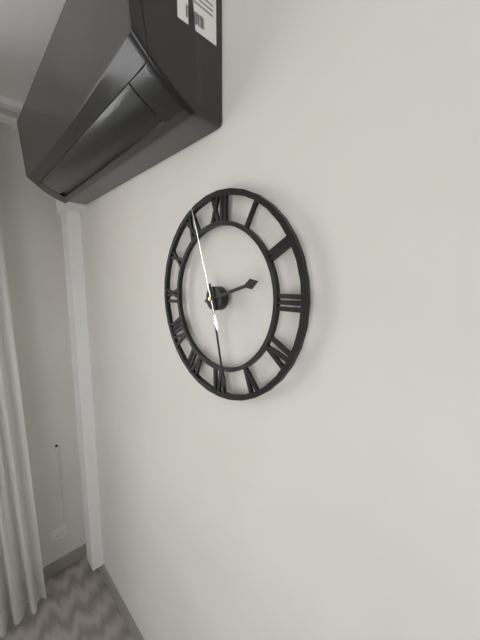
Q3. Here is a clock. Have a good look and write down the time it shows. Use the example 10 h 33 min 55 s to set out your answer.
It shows 2 h 28 min 57 s
